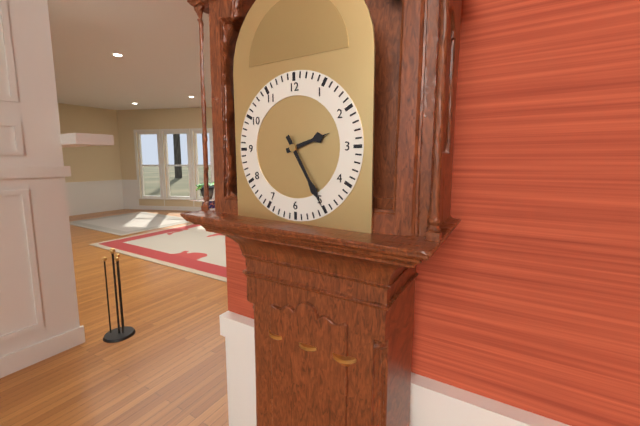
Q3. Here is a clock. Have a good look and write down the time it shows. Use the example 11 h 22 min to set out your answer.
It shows 2 h 25 min
